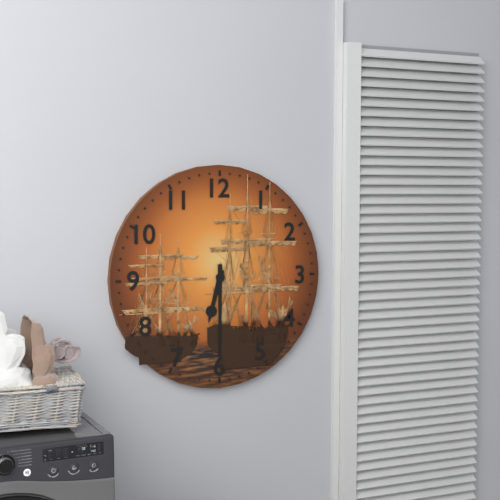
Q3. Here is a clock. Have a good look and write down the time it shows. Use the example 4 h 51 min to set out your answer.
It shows 6 h 30 min
